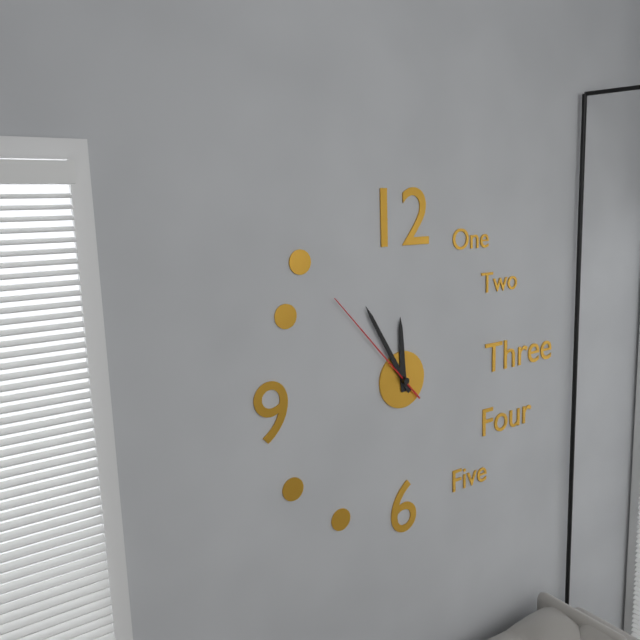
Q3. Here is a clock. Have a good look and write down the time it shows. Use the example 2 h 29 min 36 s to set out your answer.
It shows 11 h 55 min 53 s
